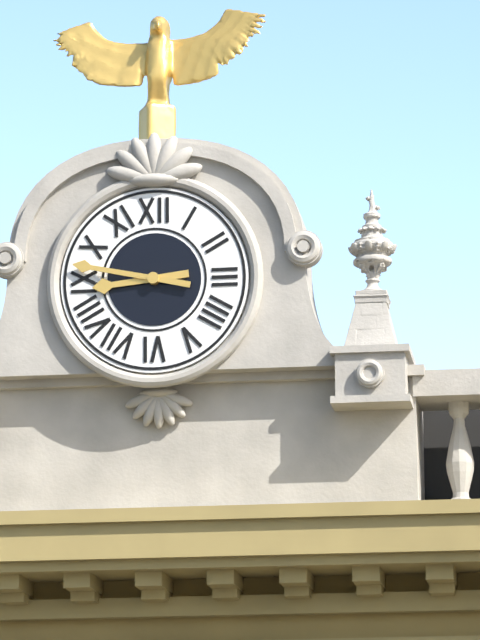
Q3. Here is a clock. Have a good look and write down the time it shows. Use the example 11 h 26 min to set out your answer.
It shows 8 h 47 min
